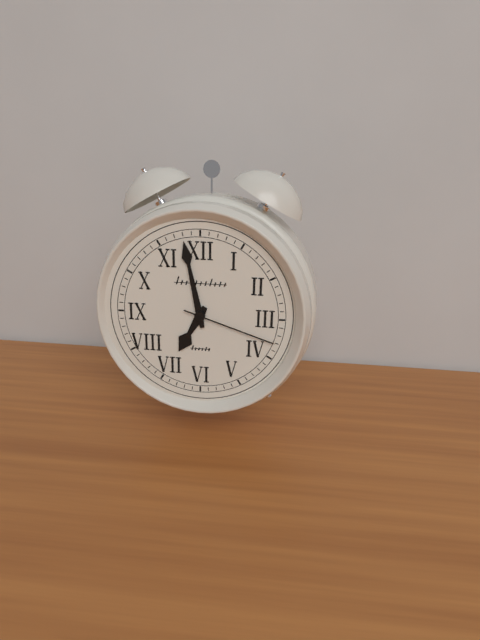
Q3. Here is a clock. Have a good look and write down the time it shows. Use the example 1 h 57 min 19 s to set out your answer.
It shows 6 h 58 min 18 s
